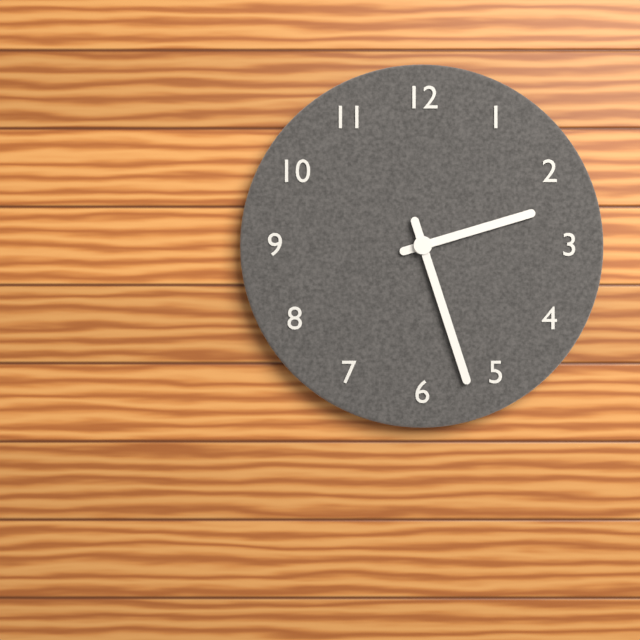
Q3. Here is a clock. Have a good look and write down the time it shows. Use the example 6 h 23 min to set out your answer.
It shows 2 h 27 min
